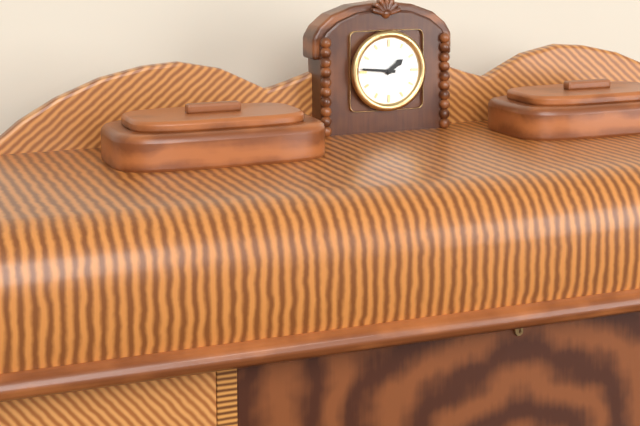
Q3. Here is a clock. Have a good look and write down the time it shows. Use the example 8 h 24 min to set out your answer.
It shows 1 h 46 min
